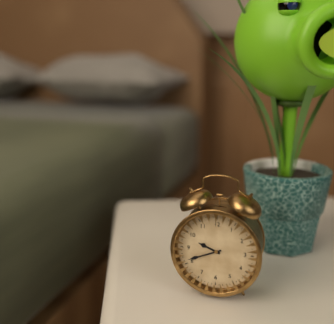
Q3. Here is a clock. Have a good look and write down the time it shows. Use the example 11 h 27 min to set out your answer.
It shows 9 h 41 min
